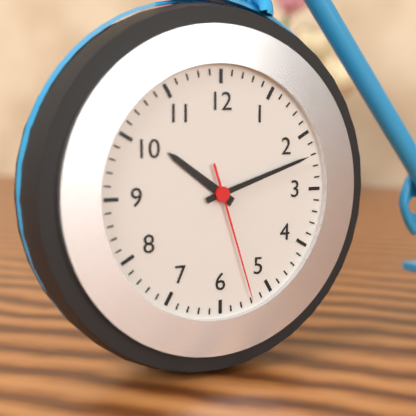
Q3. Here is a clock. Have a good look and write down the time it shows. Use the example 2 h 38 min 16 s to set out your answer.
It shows 10 h 12 min 27 s
